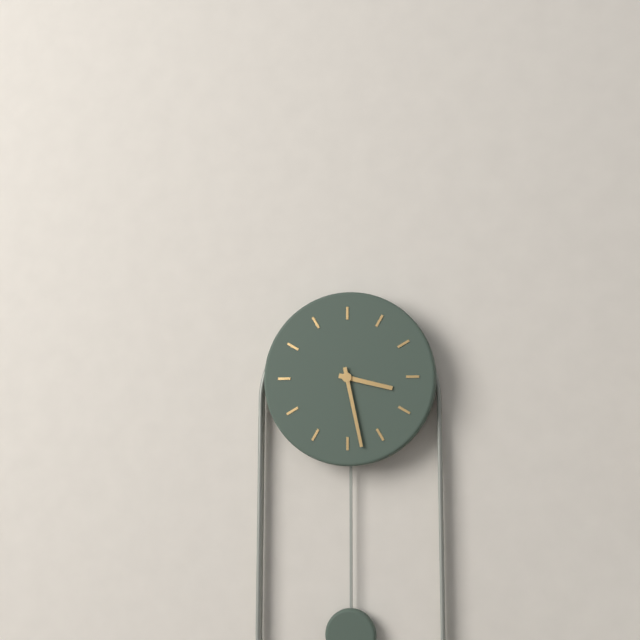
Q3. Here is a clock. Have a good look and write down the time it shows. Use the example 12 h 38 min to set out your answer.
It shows 3 h 28 min
